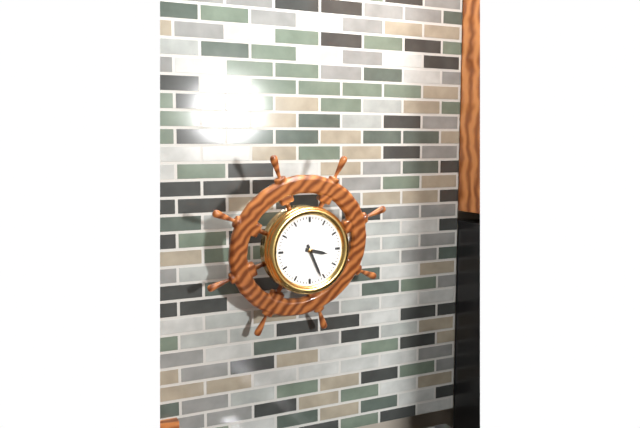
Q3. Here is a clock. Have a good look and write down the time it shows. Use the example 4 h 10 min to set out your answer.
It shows 3 h 26 min
